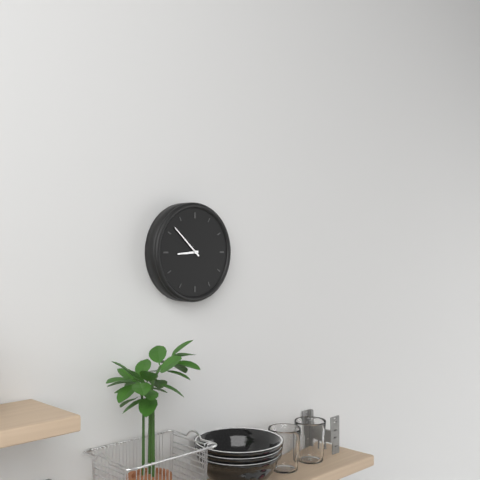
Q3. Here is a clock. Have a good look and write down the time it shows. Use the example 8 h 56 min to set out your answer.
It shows 8 h 52 min
